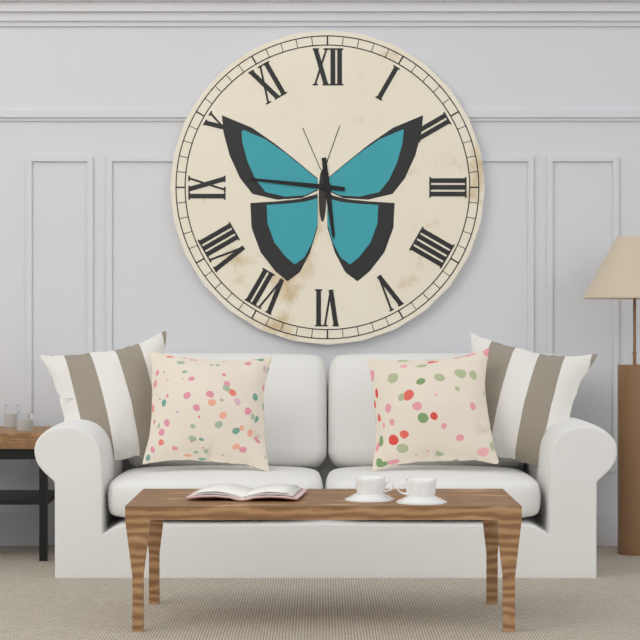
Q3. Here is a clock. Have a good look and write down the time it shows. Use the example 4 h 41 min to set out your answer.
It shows 5 h 46 min
